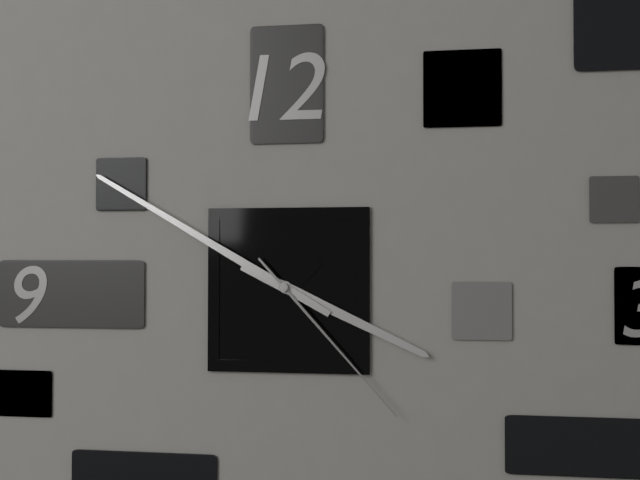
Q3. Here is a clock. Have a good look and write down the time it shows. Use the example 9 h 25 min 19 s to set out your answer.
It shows 3 h 50 min 23 s
